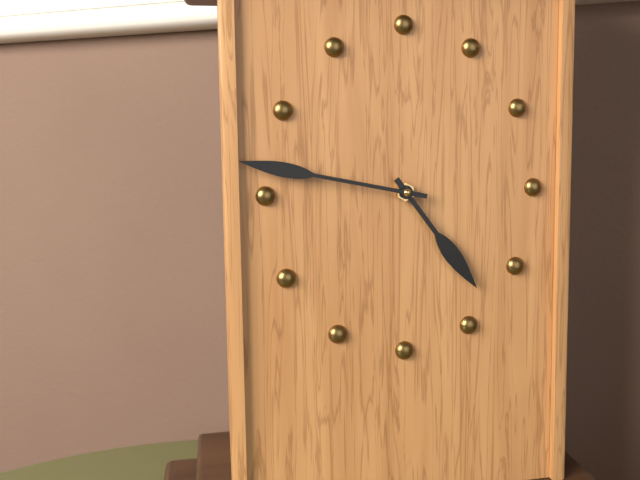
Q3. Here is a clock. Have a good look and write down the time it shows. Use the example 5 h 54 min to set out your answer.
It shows 4 h 47 min
